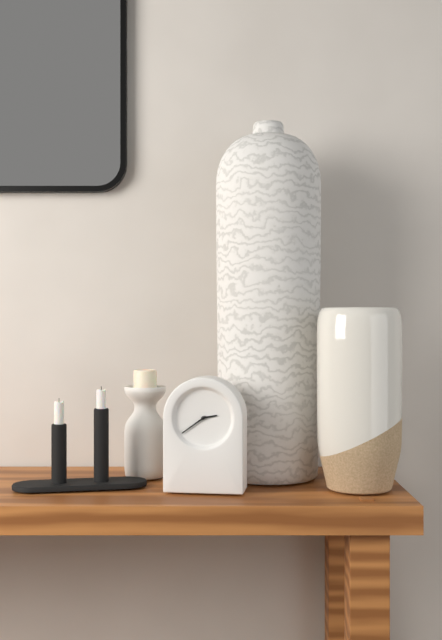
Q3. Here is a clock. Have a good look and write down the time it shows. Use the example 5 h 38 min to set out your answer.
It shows 2 h 39 min
